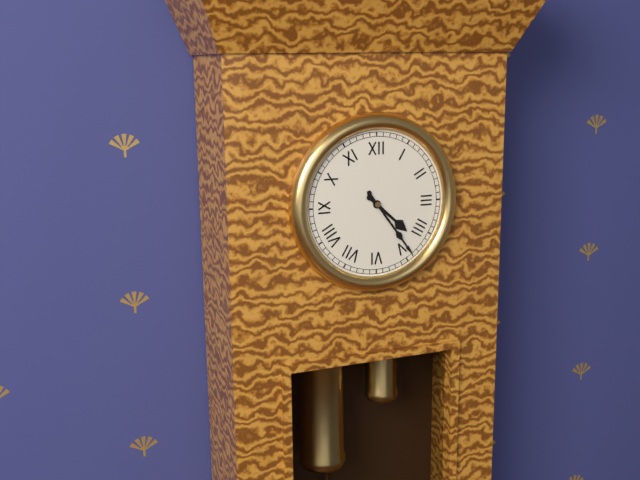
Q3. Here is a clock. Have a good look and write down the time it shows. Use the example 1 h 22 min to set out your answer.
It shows 4 h 24 min
